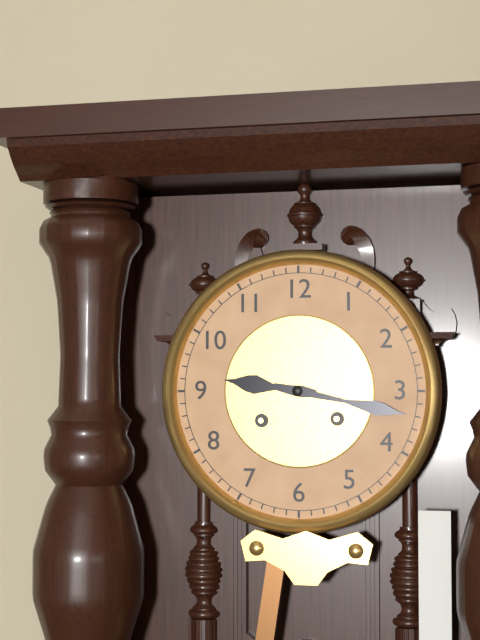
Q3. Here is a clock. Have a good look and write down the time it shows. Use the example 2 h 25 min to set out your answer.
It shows 9 h 17 min
